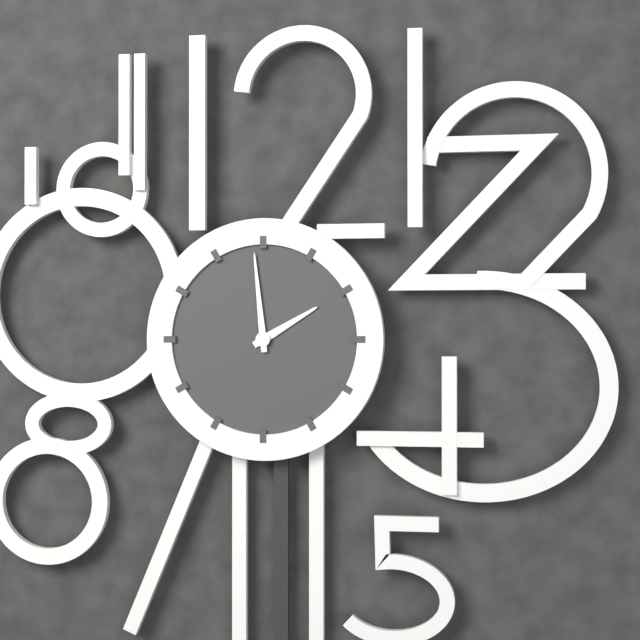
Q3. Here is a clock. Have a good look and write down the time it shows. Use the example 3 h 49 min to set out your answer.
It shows 1 h 59 min
